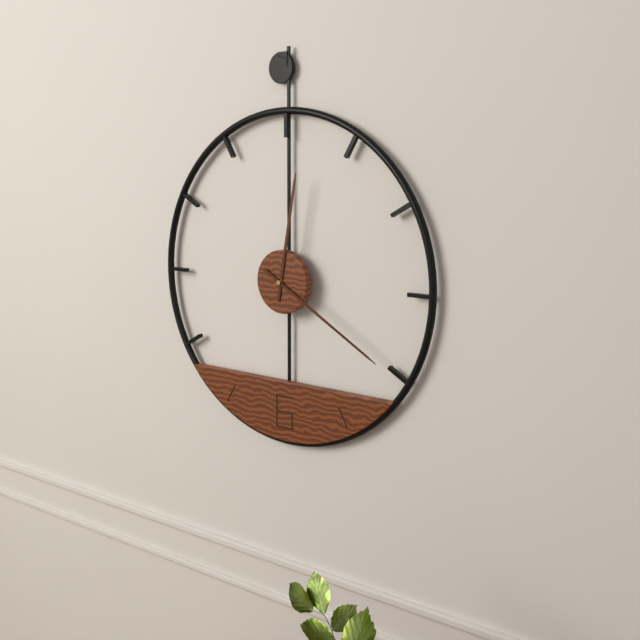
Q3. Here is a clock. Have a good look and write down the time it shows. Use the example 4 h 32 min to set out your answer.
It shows 12 h 20 min
